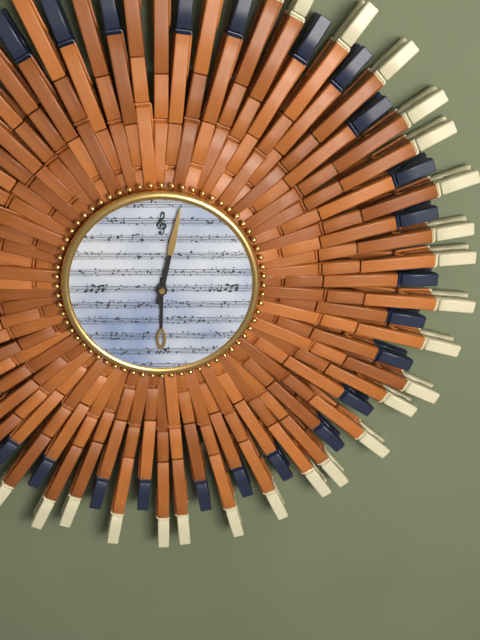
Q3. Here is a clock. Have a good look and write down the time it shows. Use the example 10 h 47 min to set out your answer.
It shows 6 h 02 min
